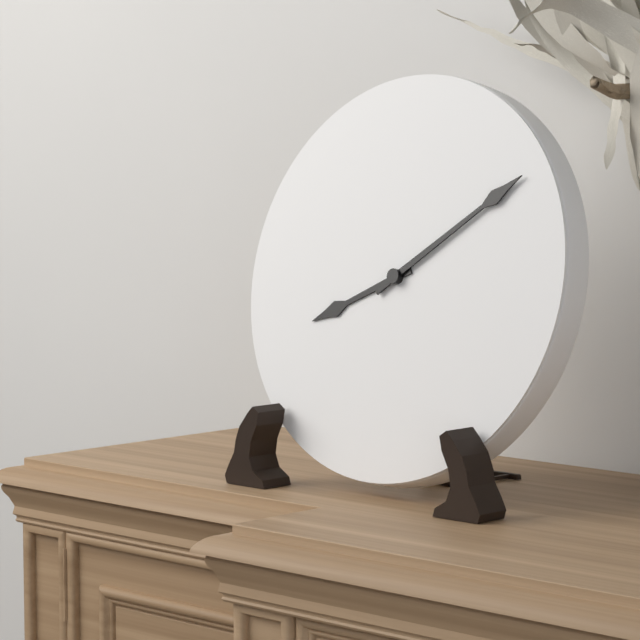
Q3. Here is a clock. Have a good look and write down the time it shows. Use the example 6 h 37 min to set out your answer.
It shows 8 h 09 min
